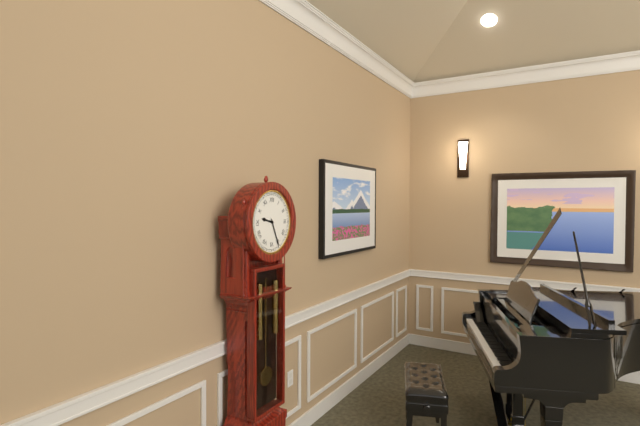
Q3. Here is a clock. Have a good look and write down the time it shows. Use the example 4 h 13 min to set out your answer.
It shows 9 h 26 min
